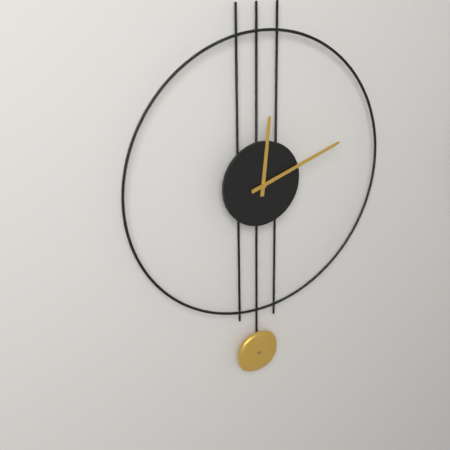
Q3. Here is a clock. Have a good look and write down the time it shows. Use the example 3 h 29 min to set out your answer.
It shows 12 h 12 min
